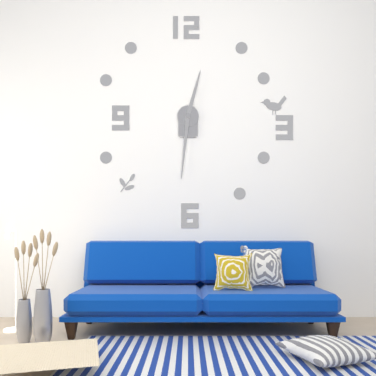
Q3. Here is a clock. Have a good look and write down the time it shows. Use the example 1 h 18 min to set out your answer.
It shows 12 h 31 min
